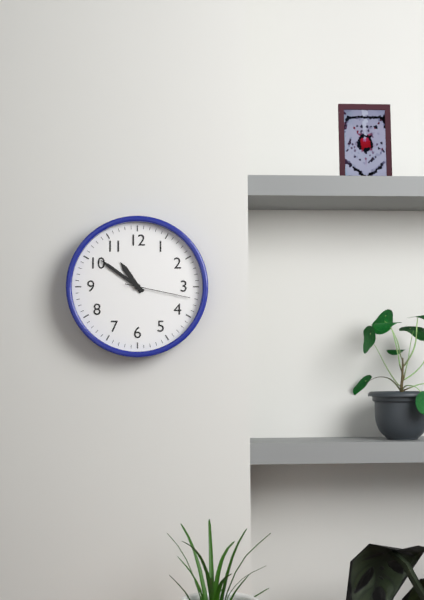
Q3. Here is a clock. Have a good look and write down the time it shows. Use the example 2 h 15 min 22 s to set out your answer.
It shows 10 h 51 min 17 s
